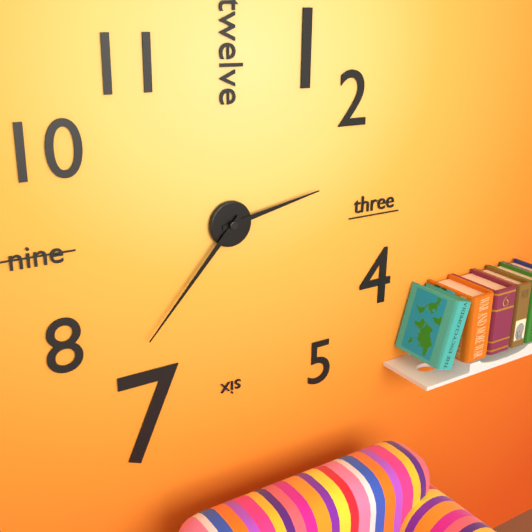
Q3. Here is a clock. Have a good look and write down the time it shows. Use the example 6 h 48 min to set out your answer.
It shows 2 h 37 min
